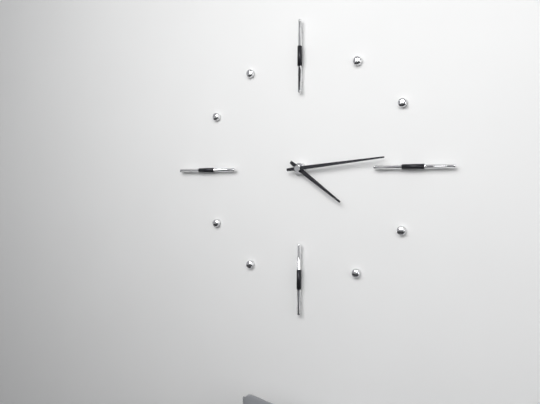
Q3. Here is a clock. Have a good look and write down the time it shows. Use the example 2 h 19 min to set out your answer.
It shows 4 h 14 min
